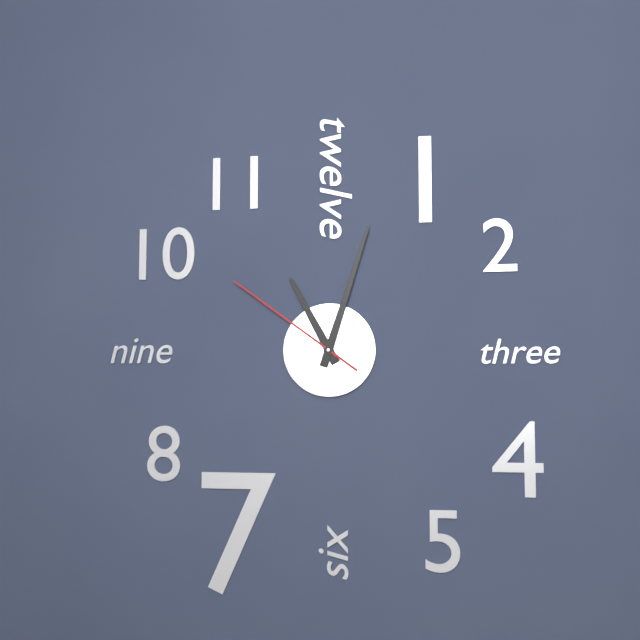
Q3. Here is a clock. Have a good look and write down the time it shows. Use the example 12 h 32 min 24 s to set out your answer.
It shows 11 h 03 min 51 s
